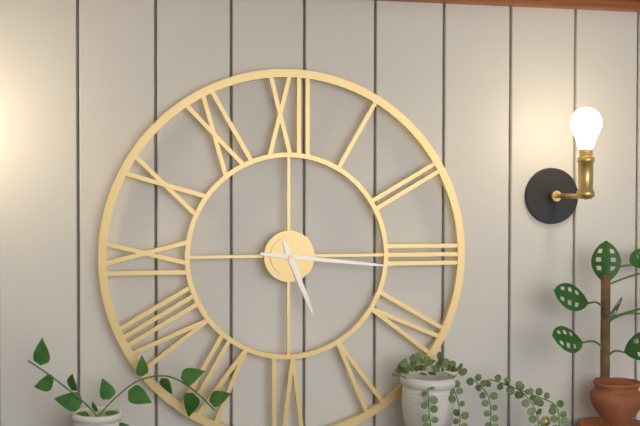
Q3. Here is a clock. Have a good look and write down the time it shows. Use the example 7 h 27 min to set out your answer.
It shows 5 h 16 min
